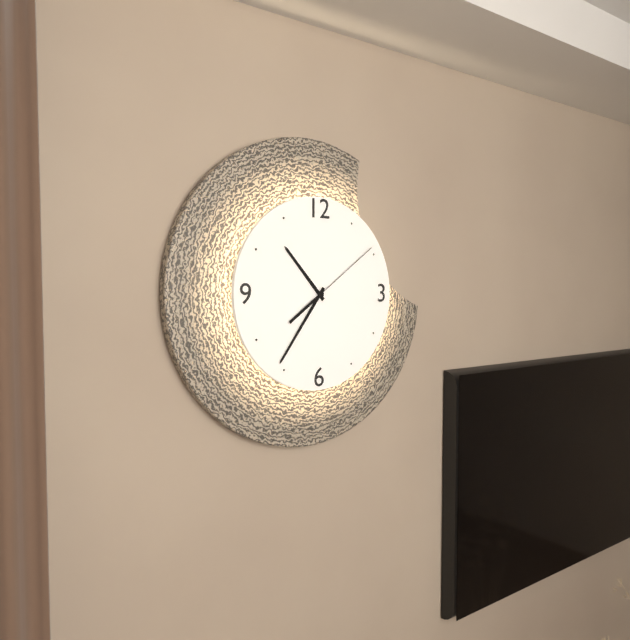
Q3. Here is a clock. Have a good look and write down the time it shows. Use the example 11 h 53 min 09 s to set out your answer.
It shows 10 h 36 min 09 s
